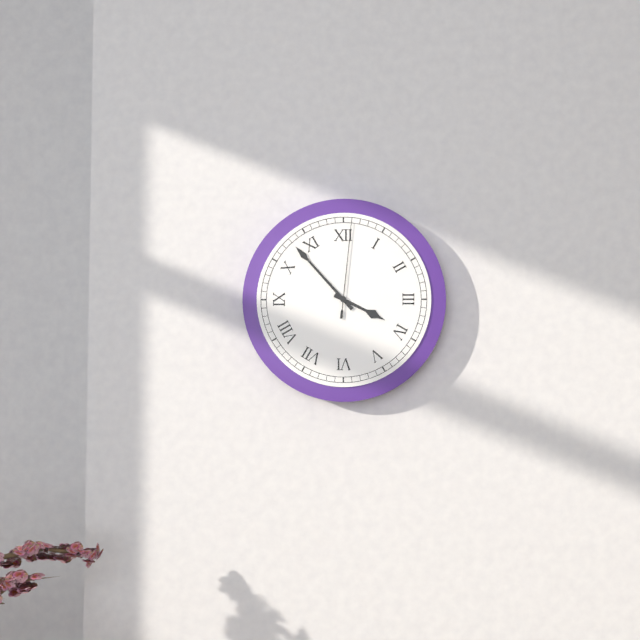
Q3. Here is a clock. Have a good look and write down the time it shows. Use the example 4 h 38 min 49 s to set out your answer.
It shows 3 h 53 min 01 s
